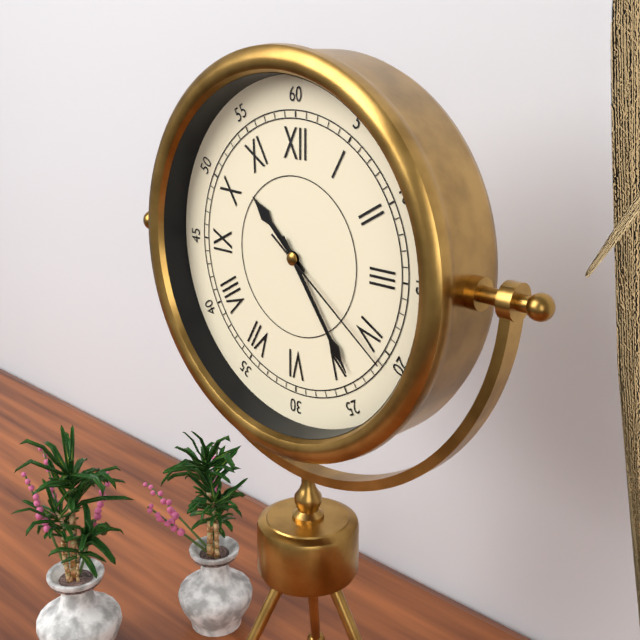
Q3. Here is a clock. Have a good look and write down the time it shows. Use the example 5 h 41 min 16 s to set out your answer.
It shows 10 h 24 min 21 s
